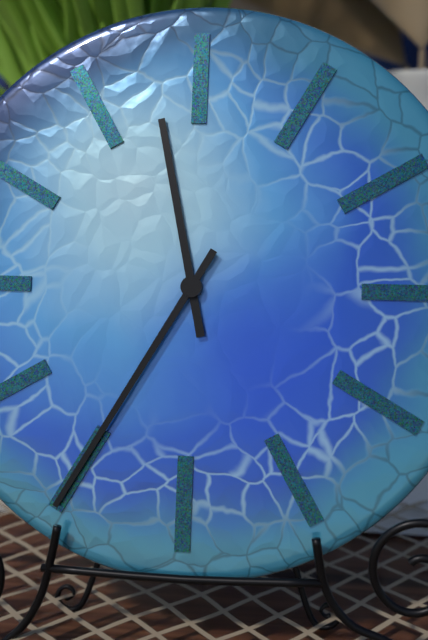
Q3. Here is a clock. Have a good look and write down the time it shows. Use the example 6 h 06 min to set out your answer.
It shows 11 h 35 min
